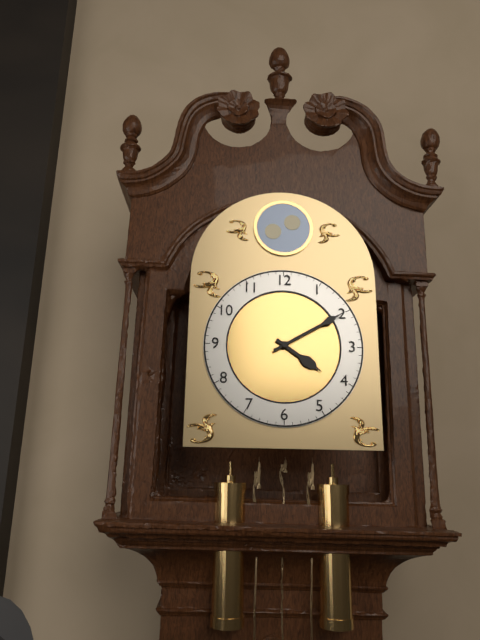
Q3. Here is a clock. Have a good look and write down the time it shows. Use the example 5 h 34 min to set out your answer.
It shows 4 h 10 min
